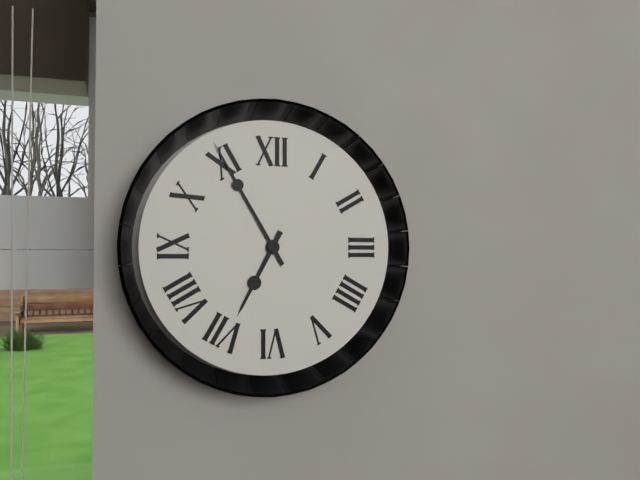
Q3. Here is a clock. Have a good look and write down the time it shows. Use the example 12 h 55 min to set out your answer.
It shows 6 h 55 min
